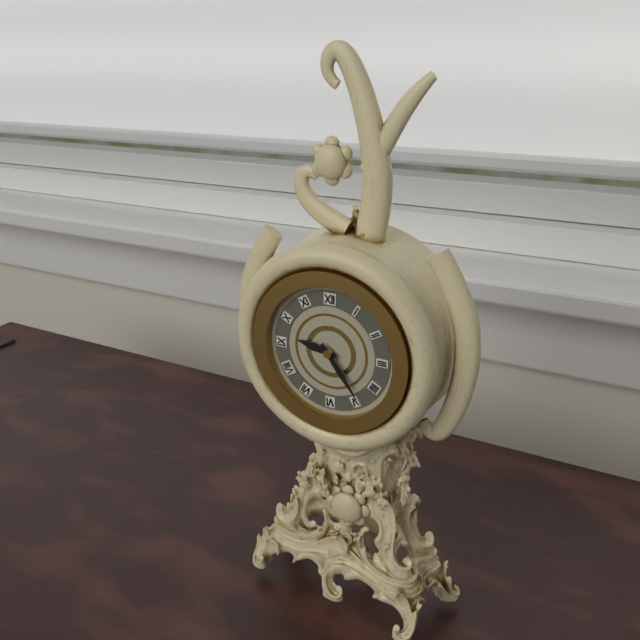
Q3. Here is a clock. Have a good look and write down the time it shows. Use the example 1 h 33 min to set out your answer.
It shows 9 h 24 min
